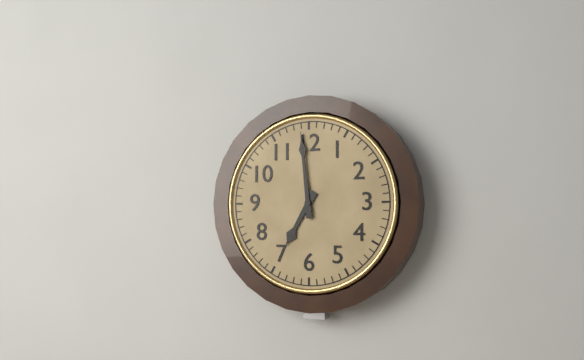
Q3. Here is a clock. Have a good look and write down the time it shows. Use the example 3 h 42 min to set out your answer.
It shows 6 h 59 min
